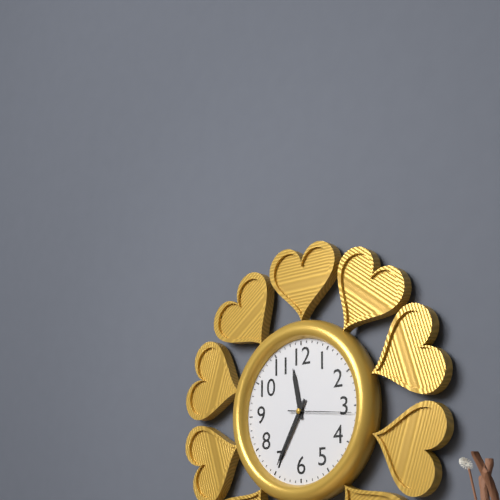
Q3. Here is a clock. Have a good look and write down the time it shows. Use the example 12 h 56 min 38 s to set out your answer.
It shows 11 h 35 min 16 s
